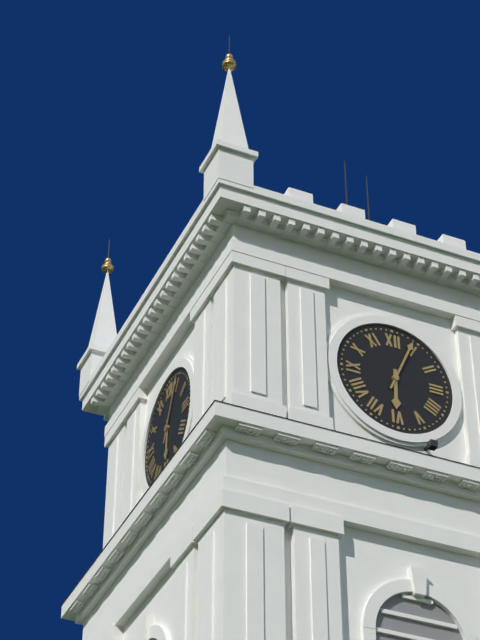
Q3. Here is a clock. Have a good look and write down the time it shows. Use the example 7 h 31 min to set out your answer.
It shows 6 h 04 min
